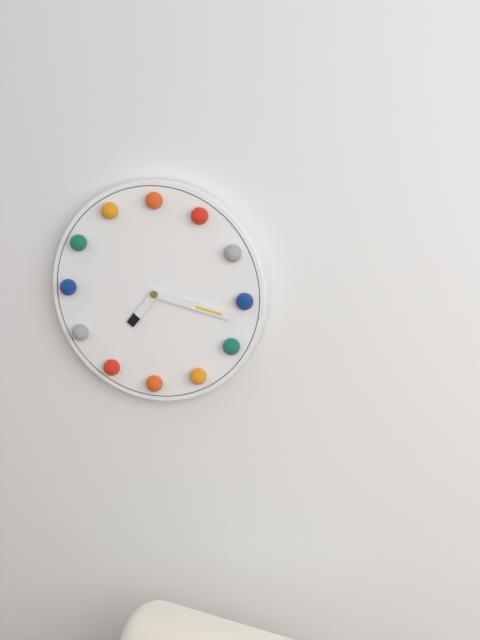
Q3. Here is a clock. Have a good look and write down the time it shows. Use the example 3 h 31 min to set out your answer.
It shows 7 h 17 min
